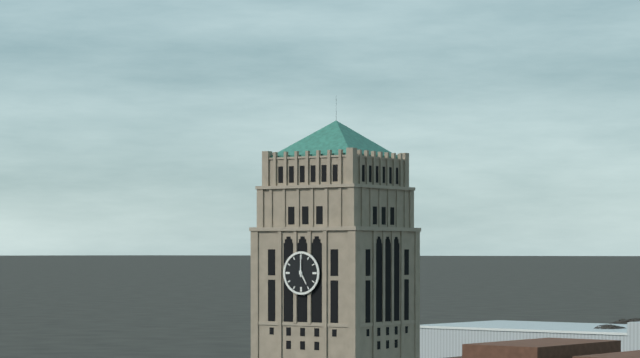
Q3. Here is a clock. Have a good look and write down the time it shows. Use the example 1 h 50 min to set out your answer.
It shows 5 h 00 min
